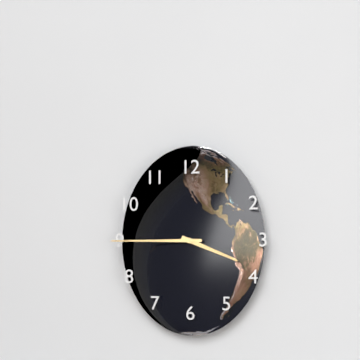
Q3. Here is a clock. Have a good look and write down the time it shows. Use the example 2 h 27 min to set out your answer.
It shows 3 h 45 min
